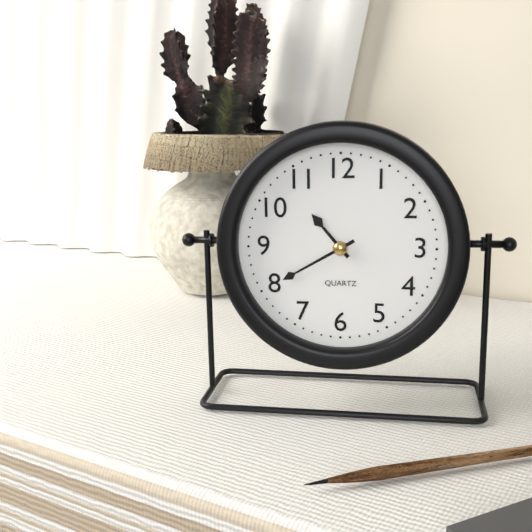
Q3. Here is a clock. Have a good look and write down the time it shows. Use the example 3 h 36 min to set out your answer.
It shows 10 h 40 min
